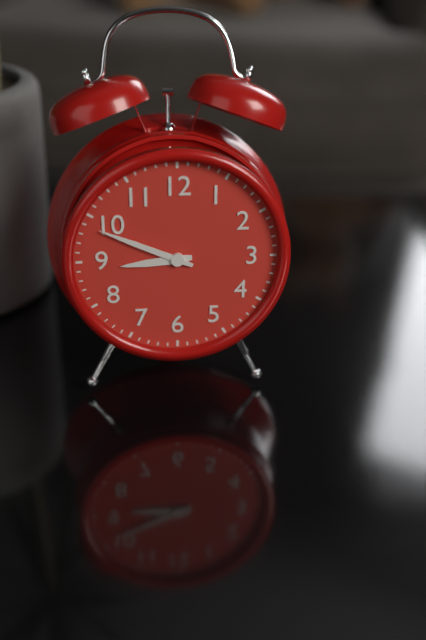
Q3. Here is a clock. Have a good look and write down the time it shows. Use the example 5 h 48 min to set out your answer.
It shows 8 h 49 min
